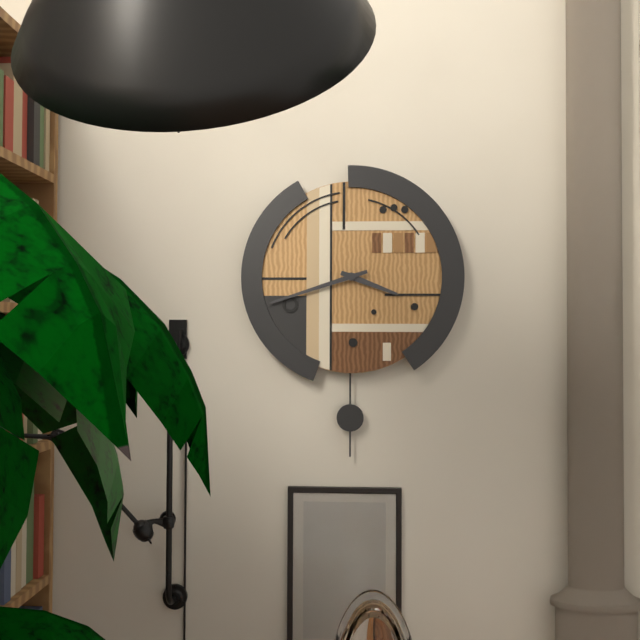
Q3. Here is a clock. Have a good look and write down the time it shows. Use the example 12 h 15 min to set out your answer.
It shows 3 h 42 min
